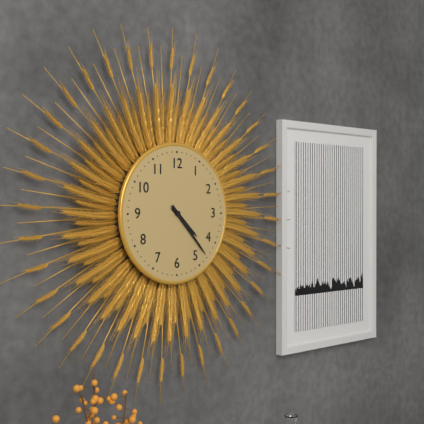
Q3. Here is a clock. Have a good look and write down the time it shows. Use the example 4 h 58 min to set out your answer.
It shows 4 h 23 min
